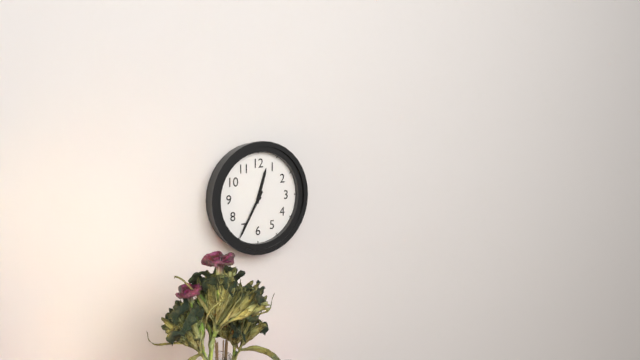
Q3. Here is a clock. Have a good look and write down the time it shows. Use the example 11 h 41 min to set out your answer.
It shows 12 h 35 min
